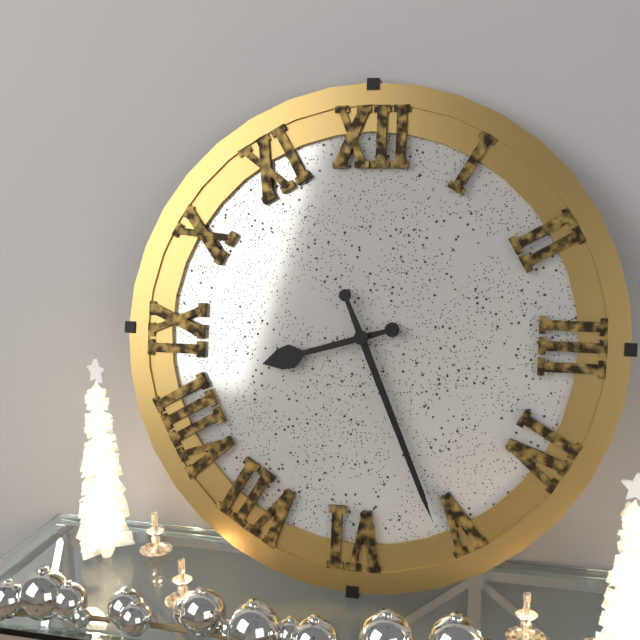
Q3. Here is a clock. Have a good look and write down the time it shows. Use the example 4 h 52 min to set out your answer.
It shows 8 h 26 min
